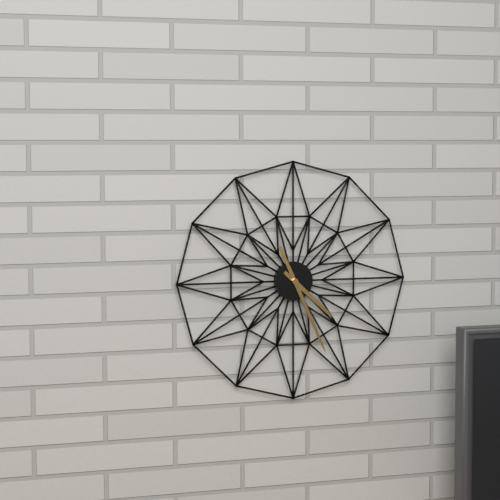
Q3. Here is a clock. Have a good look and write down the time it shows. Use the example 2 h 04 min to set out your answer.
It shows 4 h 26 min
